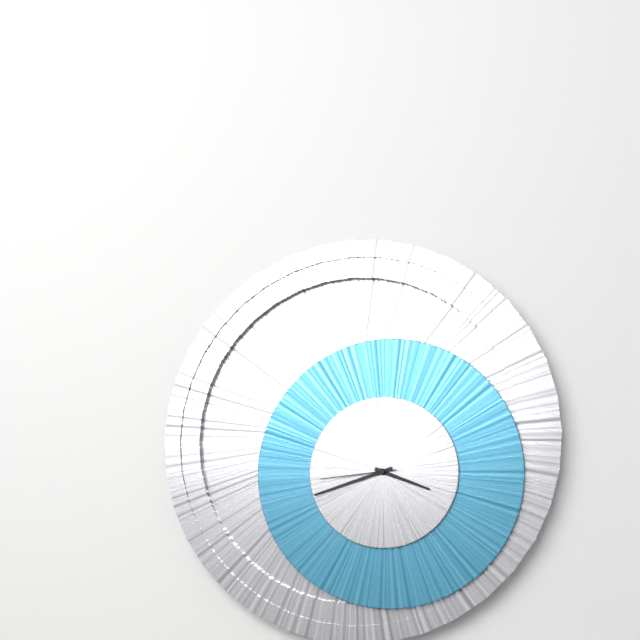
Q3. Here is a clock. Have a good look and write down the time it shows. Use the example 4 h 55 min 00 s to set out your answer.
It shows 3 h 42 min 44 s
